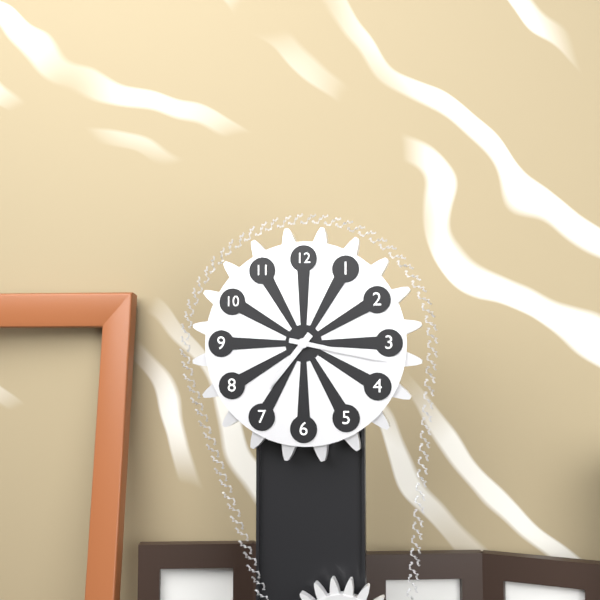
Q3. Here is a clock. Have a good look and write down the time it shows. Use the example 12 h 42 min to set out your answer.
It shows 7 h 17 min
